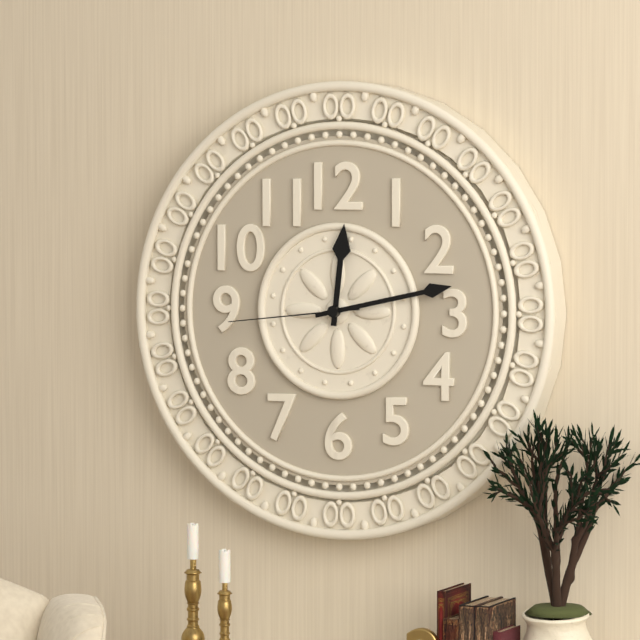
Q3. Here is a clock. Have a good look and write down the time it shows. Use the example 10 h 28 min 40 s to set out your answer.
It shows 12 h 13 min 44 s
